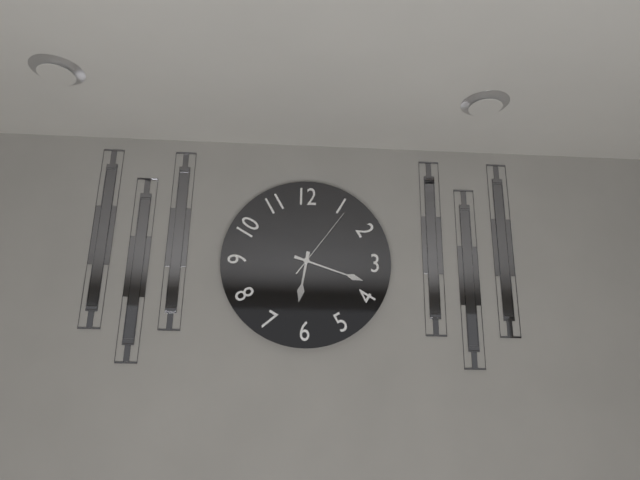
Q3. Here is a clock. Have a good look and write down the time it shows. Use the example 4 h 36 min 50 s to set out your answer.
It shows 6 h 18 min 06 s
